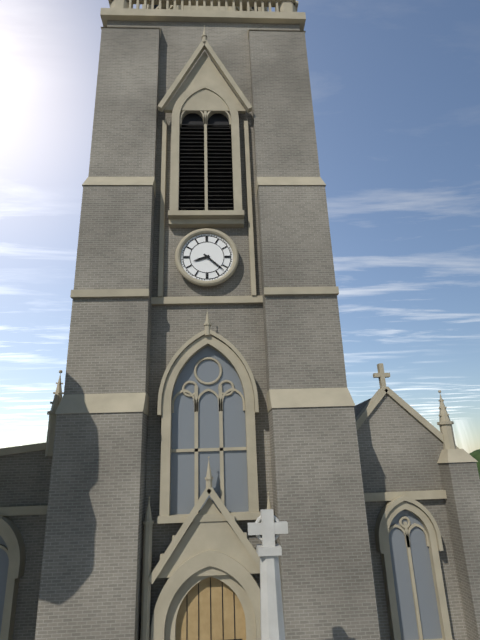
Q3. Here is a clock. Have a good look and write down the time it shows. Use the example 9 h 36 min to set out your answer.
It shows 8 h 22 min
